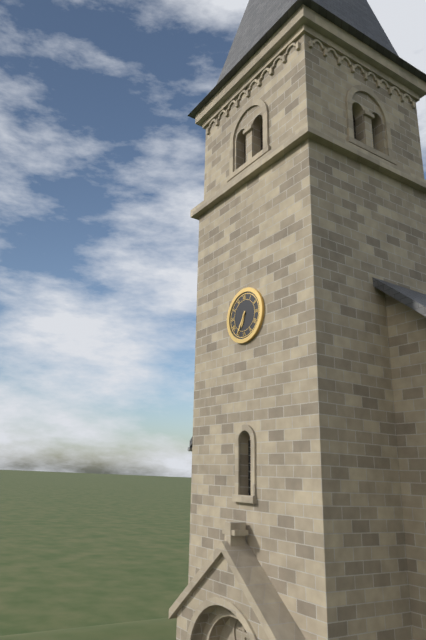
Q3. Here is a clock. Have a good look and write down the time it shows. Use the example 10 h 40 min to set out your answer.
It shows 6 h 35 min
